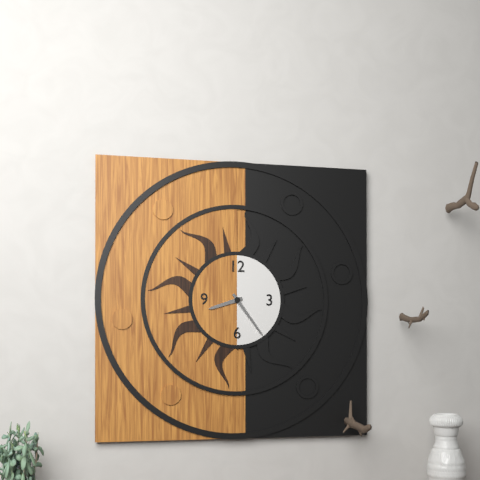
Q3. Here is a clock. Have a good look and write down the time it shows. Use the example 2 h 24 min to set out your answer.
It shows 8 h 24 min
